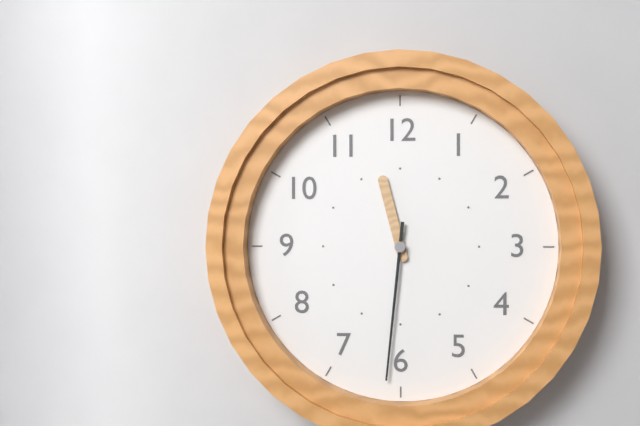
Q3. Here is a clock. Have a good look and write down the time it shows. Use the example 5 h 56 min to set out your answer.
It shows 11 h 31 min
